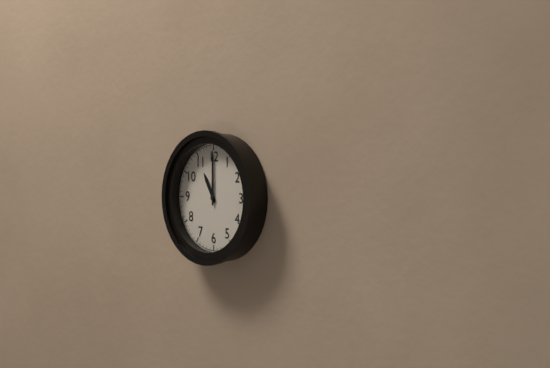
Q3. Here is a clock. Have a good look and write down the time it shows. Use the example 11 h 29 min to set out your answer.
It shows 11 h 00 min
